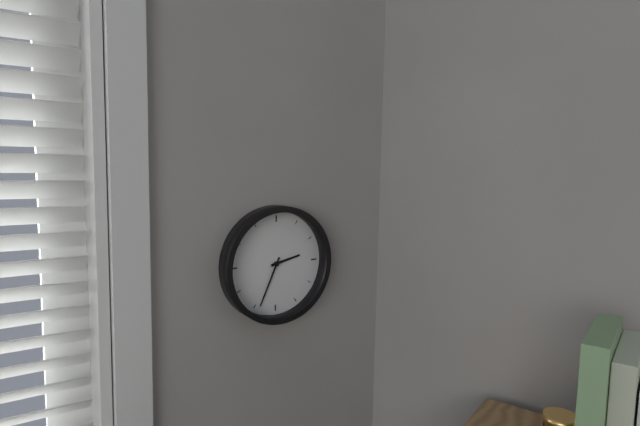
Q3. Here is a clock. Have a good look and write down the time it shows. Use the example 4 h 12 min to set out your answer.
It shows 2 h 34 min
